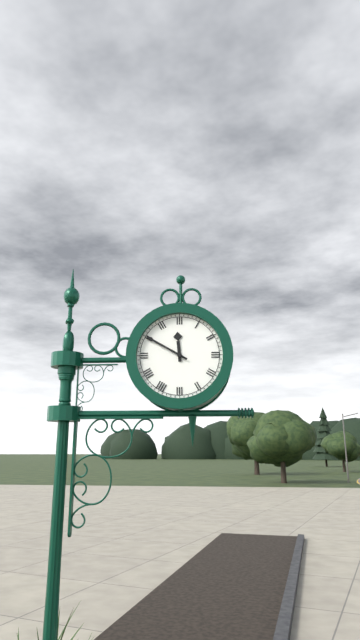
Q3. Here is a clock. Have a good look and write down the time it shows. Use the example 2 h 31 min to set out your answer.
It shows 11 h 50 min
